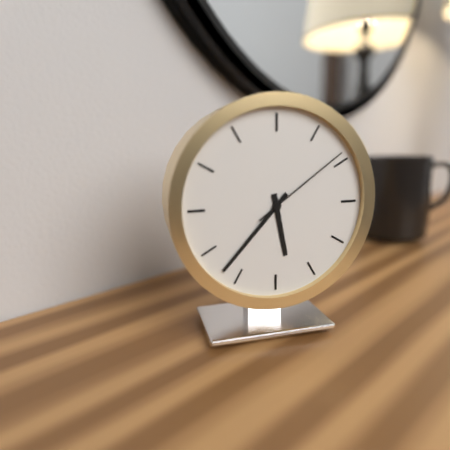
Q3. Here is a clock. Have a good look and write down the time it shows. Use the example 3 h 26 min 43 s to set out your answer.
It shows 5 h 37 min 09 s
